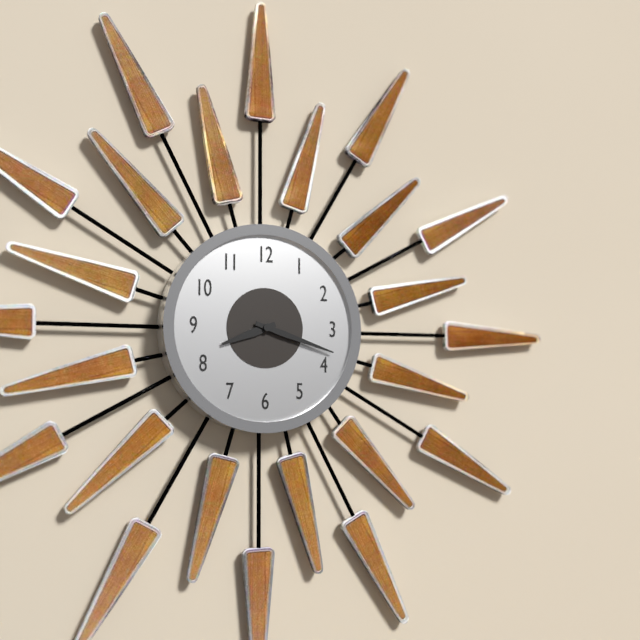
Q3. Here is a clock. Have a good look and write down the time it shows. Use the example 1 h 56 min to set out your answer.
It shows 8 h 18 min
